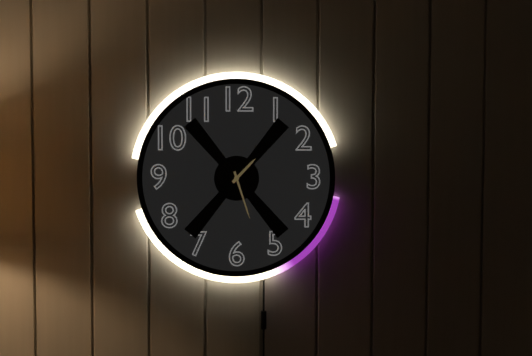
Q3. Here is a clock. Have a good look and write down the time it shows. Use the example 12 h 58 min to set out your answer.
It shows 1 h 27 min
